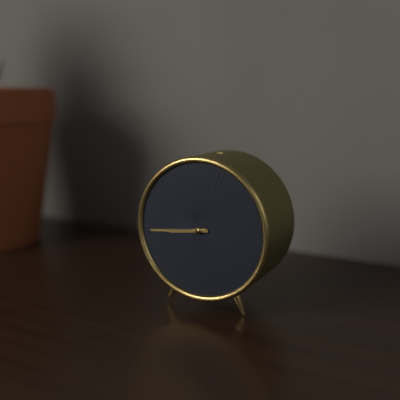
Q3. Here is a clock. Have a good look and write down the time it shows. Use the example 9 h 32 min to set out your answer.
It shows 8 h 44 min
